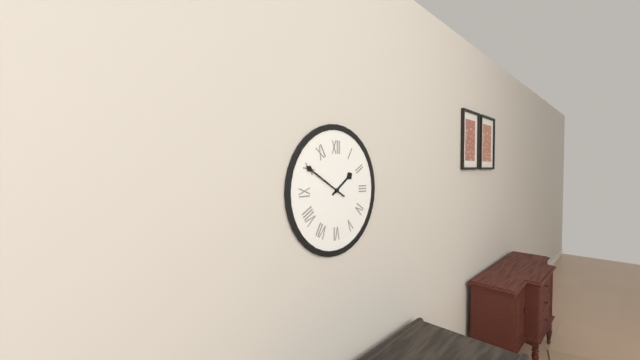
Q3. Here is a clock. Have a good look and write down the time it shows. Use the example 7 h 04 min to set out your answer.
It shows 1 h 50 min
